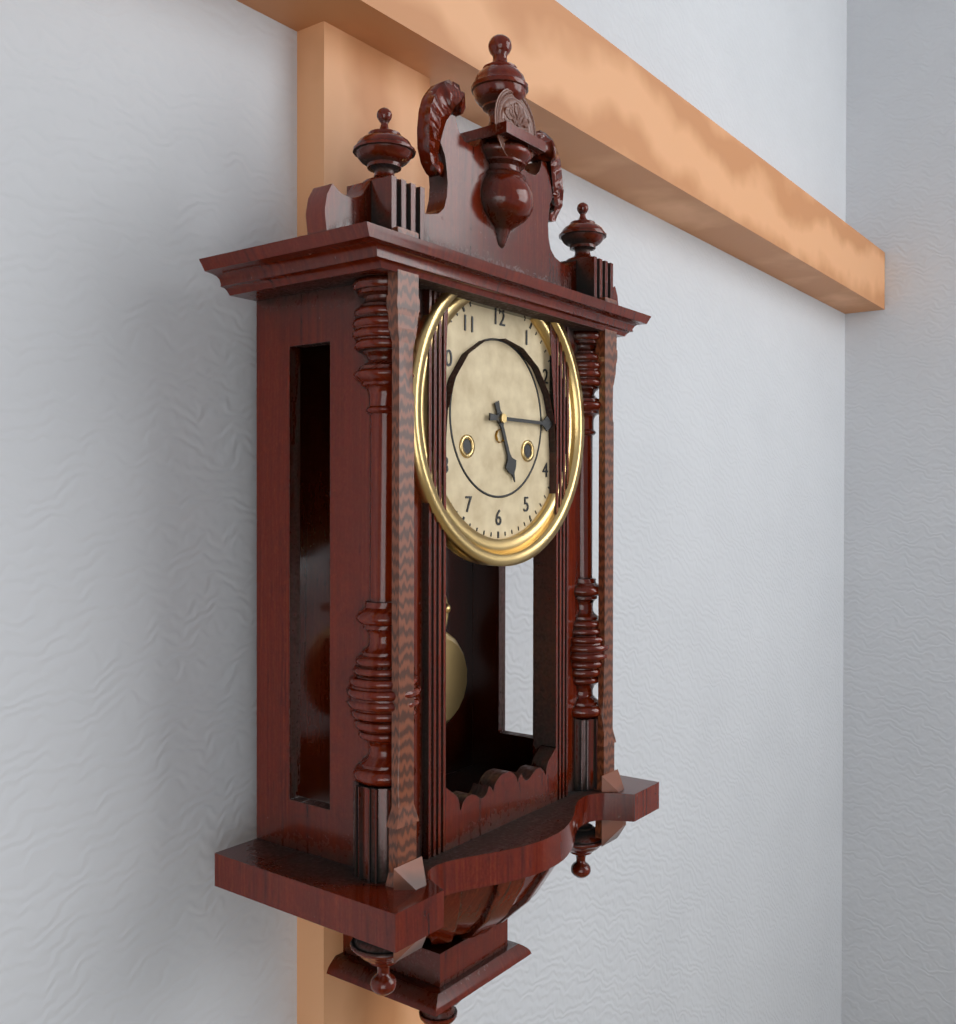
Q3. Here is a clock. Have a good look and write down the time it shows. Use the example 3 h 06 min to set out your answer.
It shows 5 h 15 min
